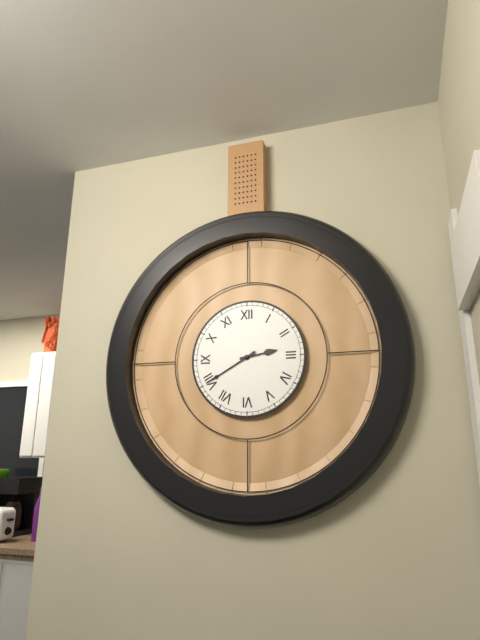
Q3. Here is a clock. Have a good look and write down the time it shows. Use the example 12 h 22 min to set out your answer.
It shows 2 h 40 min
